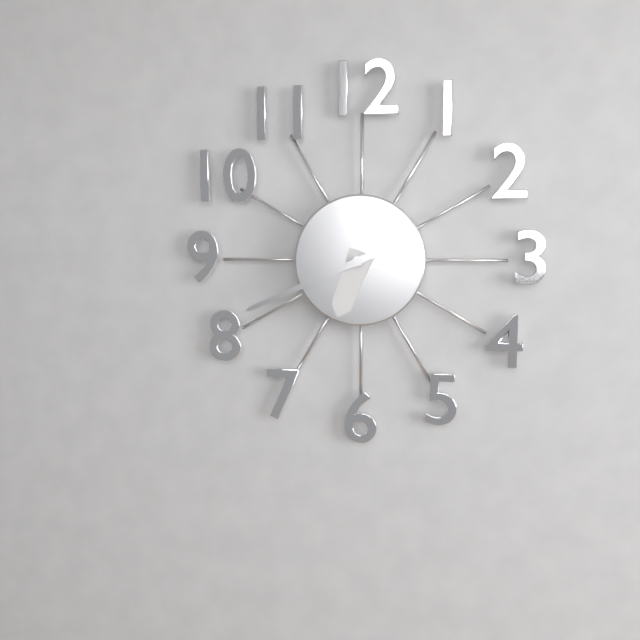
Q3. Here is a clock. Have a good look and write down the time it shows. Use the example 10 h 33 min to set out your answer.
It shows 6 h 41 min
